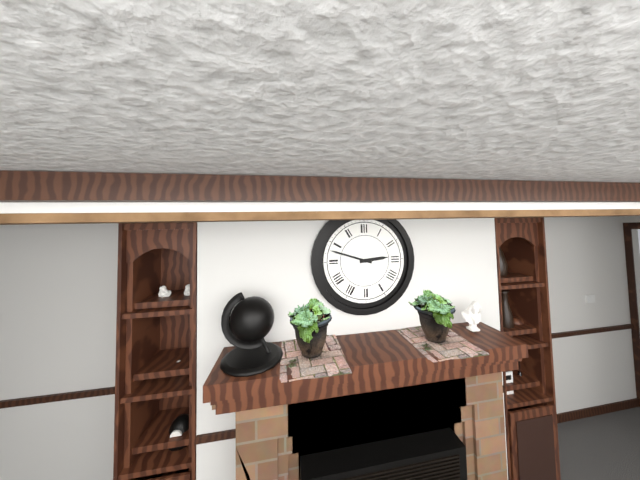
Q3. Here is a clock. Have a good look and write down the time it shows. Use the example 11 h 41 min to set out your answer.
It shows 2 h 48 min
